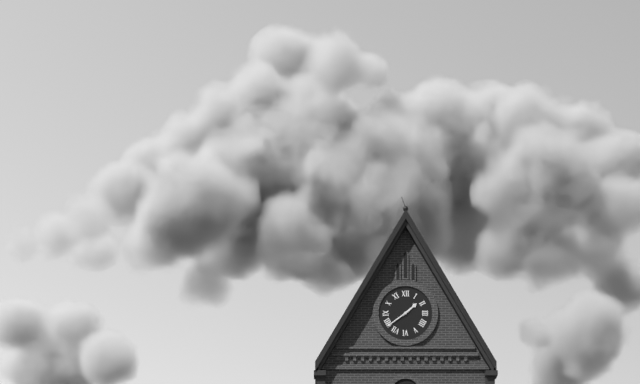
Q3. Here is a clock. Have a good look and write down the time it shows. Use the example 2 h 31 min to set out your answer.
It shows 1 h 39 min
